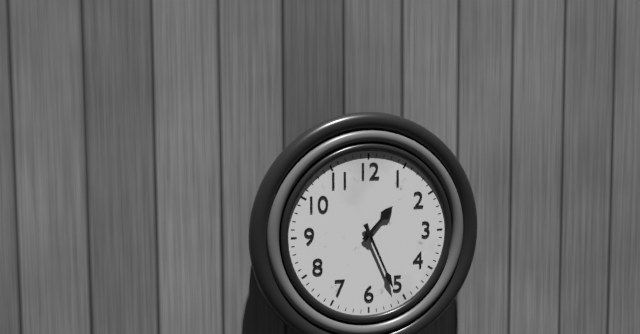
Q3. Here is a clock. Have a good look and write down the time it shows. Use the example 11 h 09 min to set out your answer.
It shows 1 h 26 min
